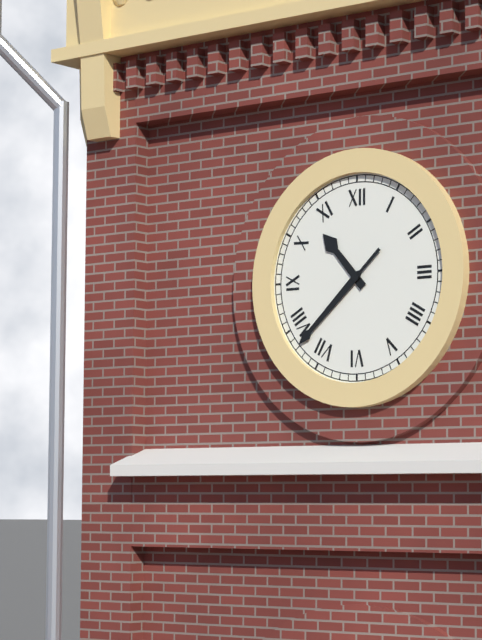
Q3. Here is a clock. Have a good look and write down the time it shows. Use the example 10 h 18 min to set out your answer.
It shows 10 h 38 min
